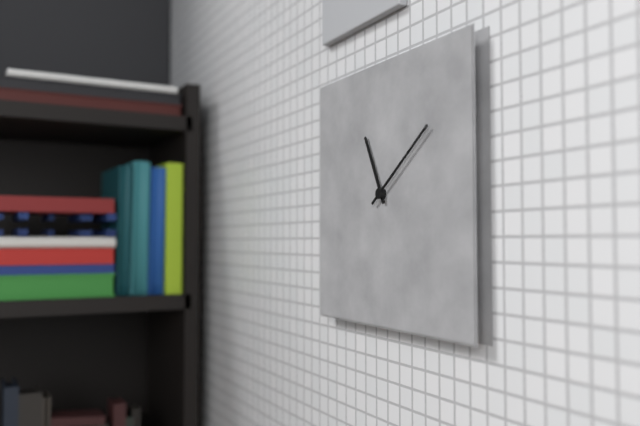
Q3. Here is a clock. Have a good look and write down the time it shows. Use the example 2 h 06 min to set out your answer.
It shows 11 h 09 min
